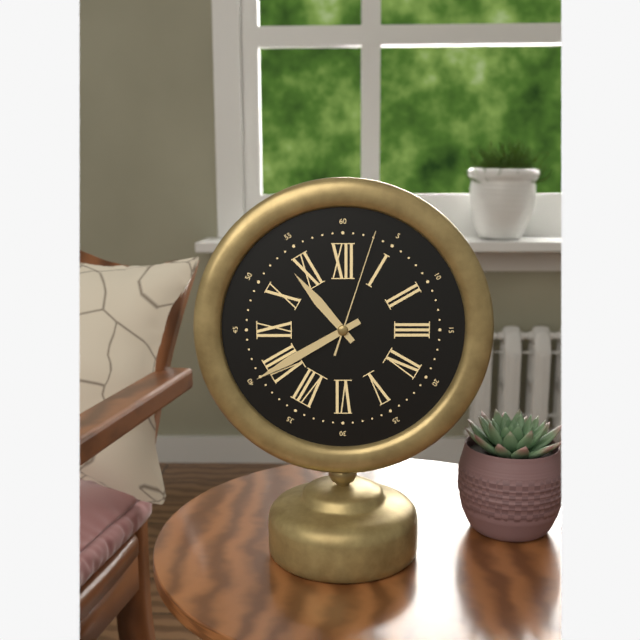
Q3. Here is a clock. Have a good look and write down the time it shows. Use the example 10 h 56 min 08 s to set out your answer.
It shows 10 h 40 min 03 s
